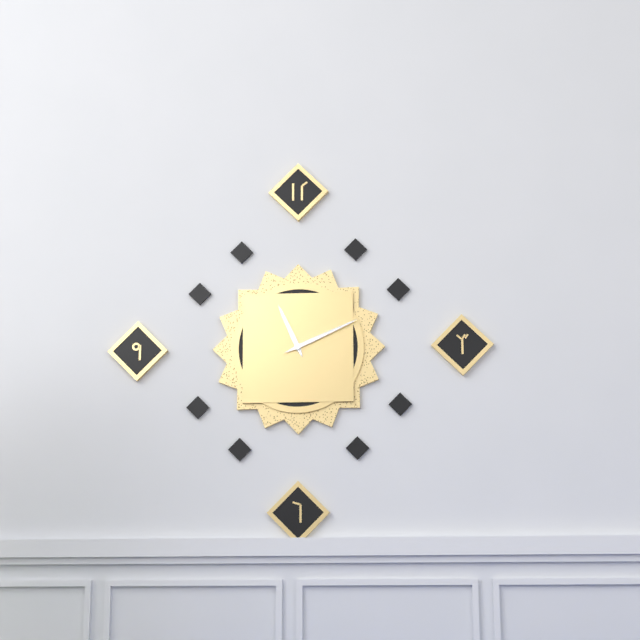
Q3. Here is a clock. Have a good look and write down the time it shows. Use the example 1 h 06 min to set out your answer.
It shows 11 h 11 min
